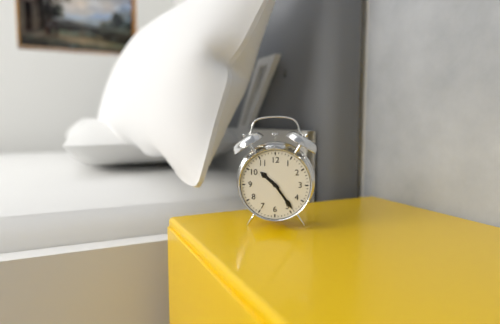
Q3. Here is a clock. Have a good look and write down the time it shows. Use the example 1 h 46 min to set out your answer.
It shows 10 h 24 min
